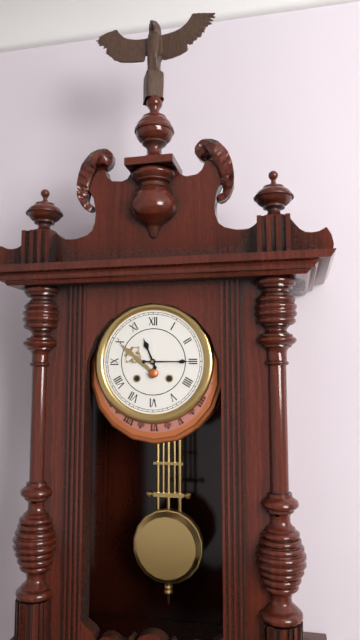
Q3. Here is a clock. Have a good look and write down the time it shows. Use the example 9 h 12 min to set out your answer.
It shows 11 h 15 min
